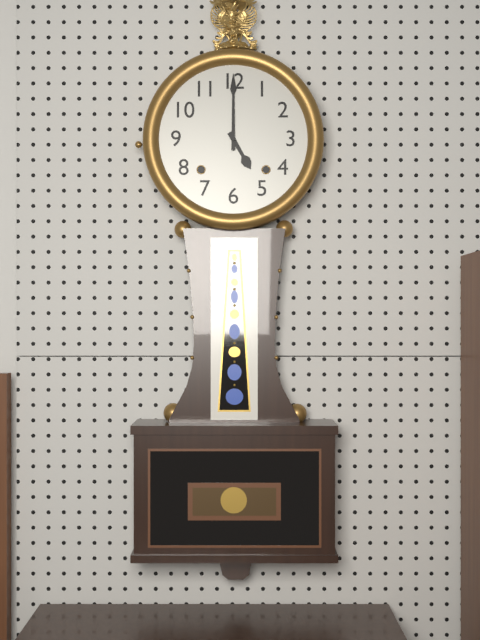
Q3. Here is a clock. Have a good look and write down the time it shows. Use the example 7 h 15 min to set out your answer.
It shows 5 h 00 min
